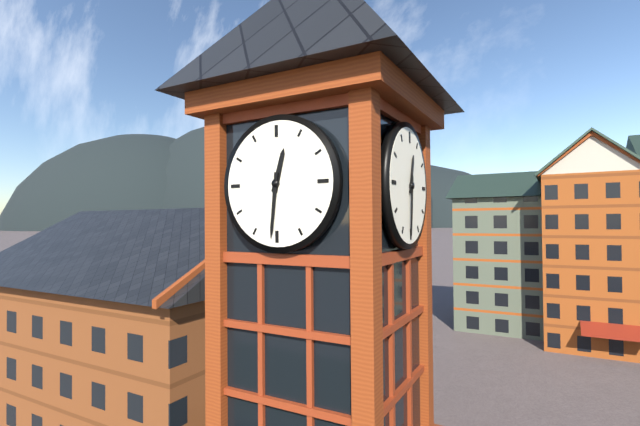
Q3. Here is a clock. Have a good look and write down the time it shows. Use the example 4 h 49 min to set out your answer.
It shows 12 h 31 min
